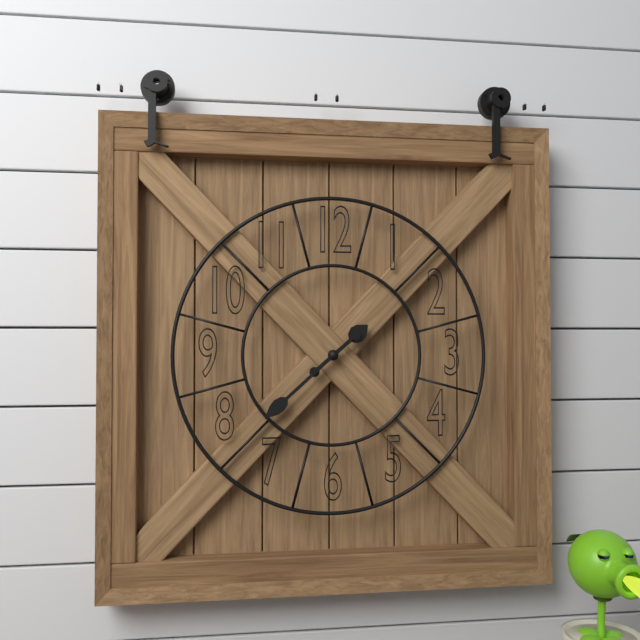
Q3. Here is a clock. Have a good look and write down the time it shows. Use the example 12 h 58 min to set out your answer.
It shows 1 h 38 min
